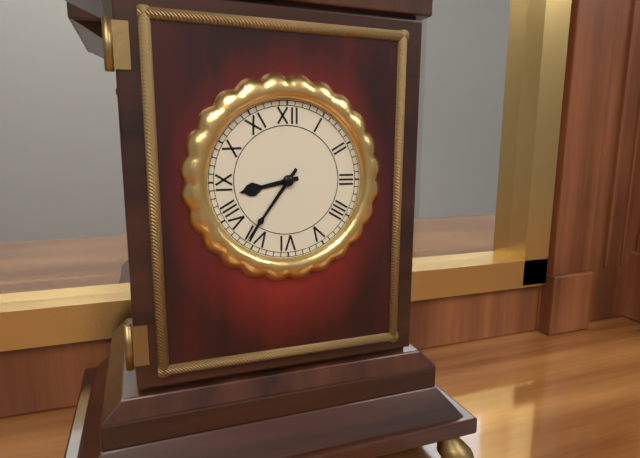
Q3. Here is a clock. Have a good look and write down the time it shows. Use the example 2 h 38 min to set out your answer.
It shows 8 h 36 min
